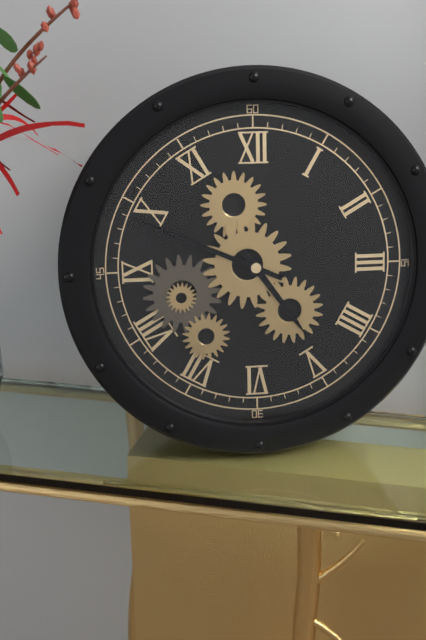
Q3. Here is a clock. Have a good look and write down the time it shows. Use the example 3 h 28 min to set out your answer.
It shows 4 h 49 min
